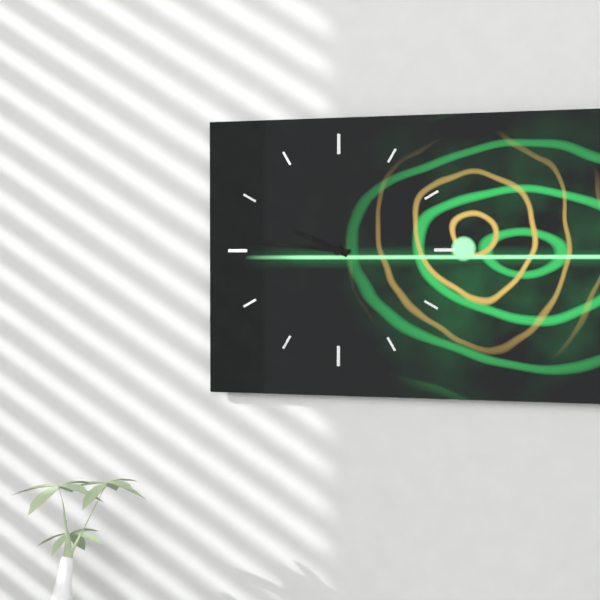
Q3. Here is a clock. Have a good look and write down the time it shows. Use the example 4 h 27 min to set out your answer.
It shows 9 h 46 min
